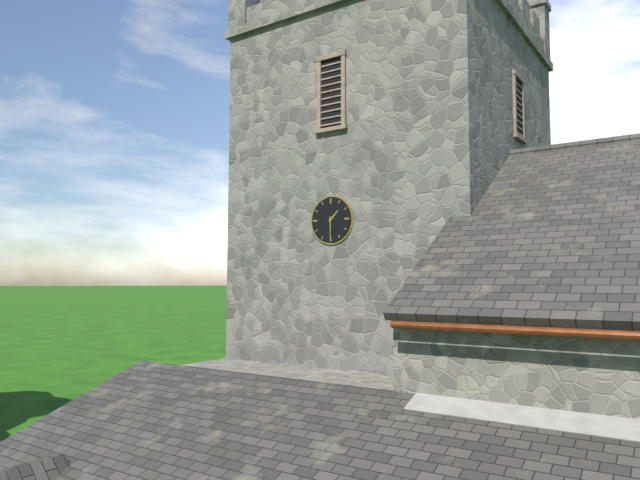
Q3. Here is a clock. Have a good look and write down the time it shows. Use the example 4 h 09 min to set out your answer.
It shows 1 h 30 min
